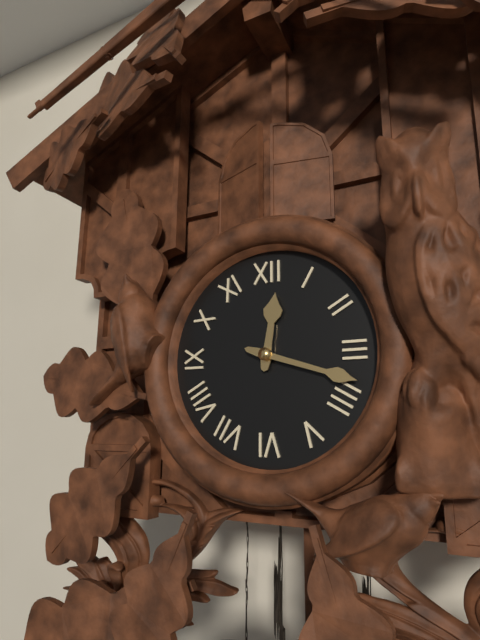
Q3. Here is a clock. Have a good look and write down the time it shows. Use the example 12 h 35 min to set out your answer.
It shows 12 h 18 min
